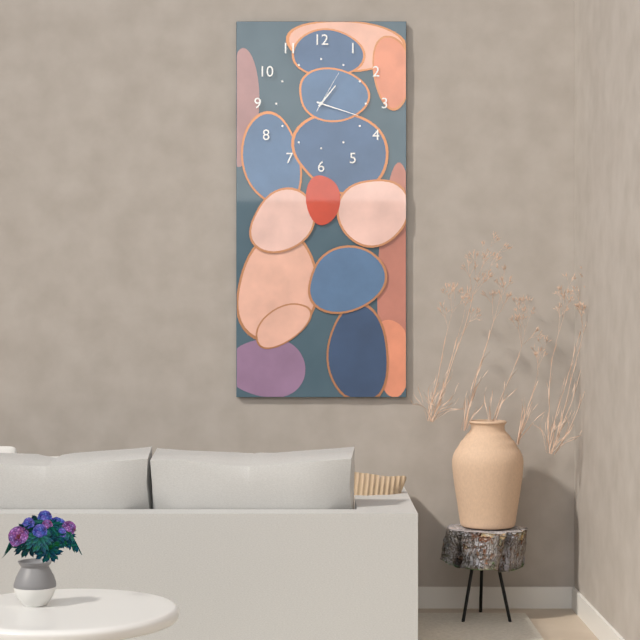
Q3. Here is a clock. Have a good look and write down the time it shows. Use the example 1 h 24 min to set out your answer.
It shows 1 h 18 min
